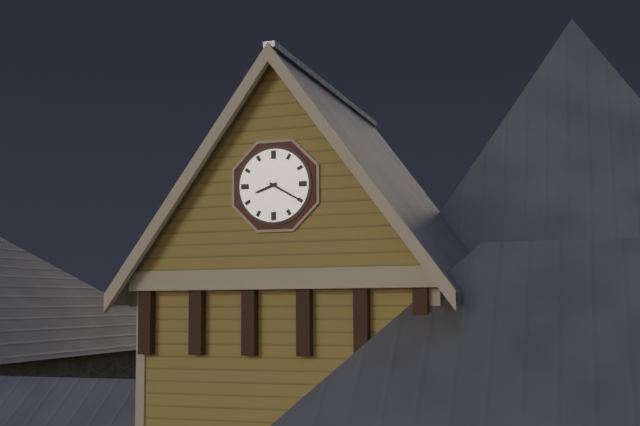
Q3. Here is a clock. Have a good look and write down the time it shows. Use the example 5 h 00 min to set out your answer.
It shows 8 h 20 min
